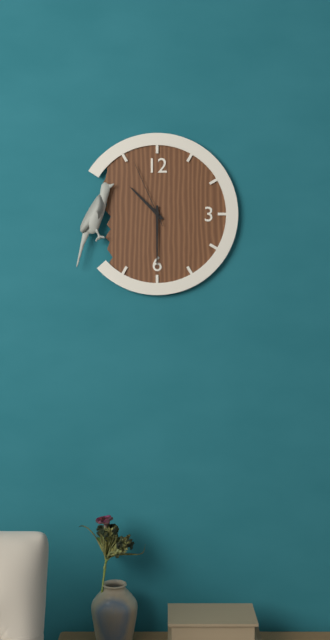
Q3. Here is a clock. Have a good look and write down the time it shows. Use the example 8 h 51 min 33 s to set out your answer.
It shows 10 h 30 min 56 s
